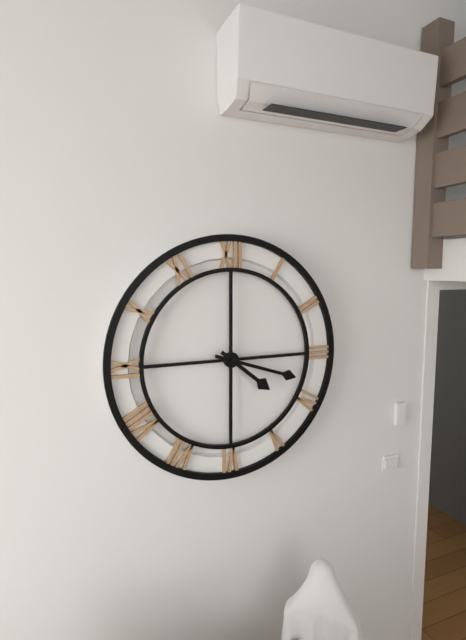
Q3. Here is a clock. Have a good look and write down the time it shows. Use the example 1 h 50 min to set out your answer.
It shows 4 h 18 min
